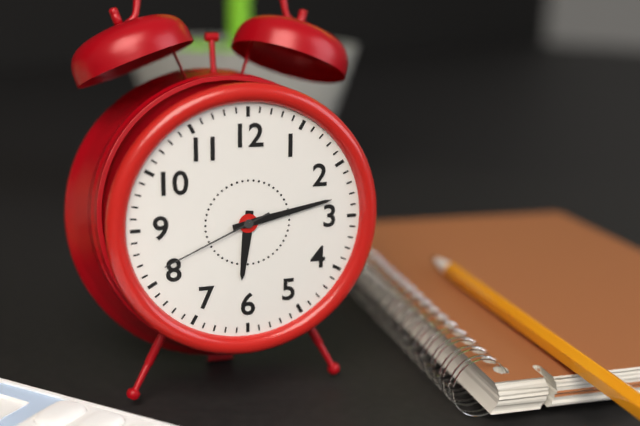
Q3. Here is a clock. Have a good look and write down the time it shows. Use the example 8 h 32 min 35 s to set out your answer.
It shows 6 h 13 min 41 s
